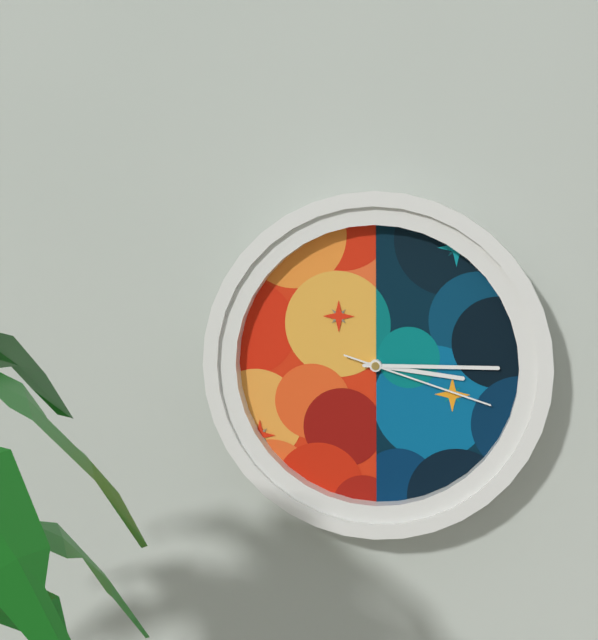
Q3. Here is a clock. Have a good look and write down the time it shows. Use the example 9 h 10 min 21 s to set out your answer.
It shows 3 h 15 min 18 s
